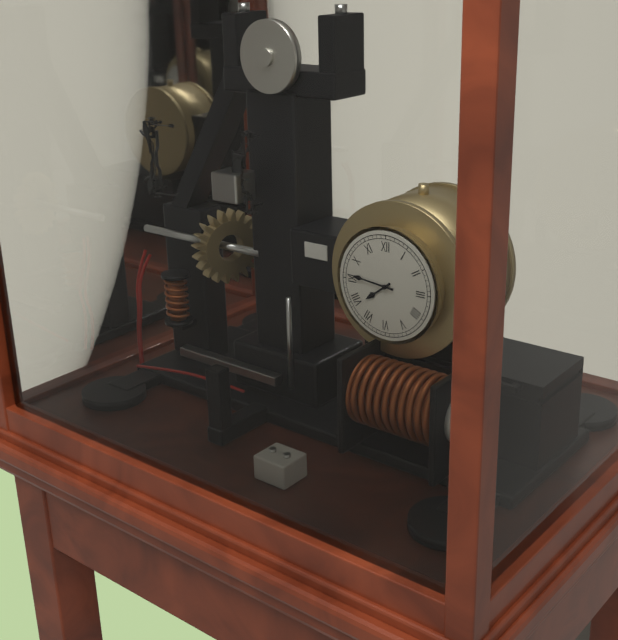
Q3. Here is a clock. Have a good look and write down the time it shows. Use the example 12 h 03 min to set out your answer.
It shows 7 h 46 min
